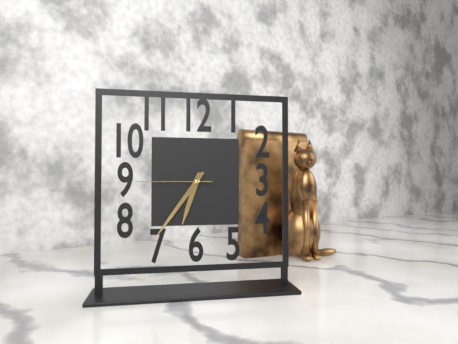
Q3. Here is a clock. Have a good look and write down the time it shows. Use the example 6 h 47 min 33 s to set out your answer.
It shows 6 h 36 min 45 s
